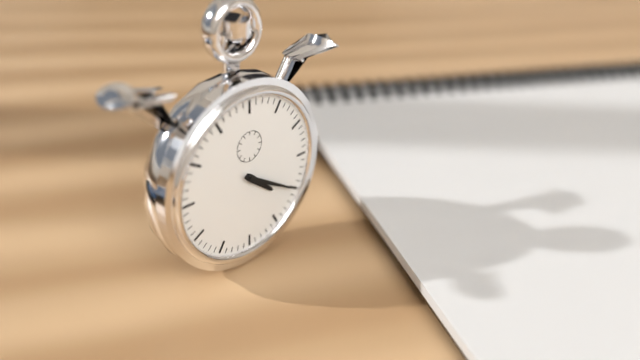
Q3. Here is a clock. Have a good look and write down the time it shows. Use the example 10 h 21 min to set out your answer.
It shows 4 h 20 min
